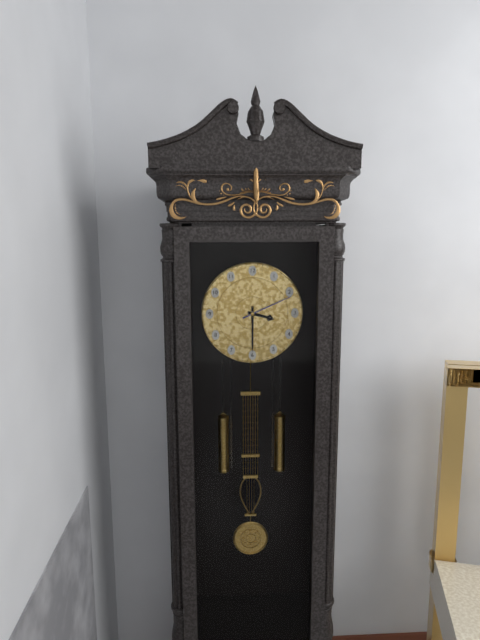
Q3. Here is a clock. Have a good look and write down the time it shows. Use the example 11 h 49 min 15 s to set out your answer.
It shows 3 h 30 min 11 s
